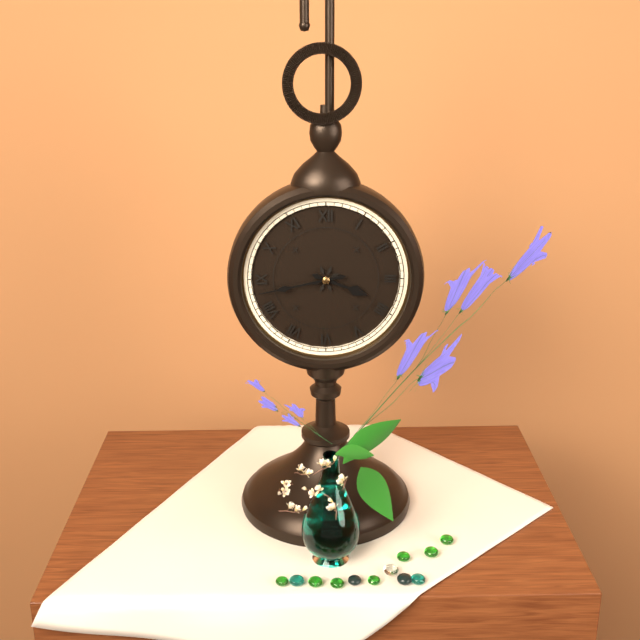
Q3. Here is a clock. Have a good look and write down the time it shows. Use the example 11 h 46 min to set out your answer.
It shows 3 h 43 min
